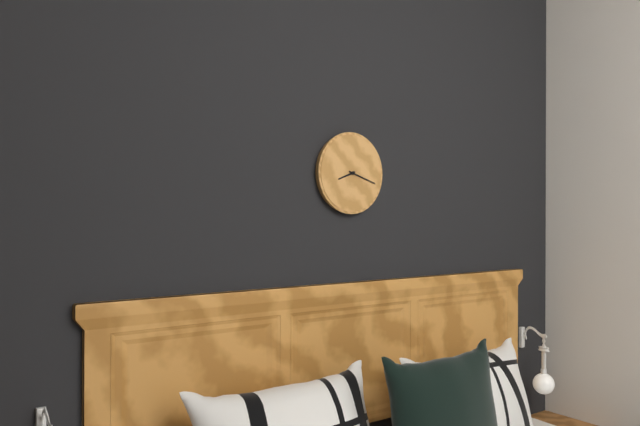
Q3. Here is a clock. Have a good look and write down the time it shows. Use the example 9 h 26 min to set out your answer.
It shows 8 h 18 min
